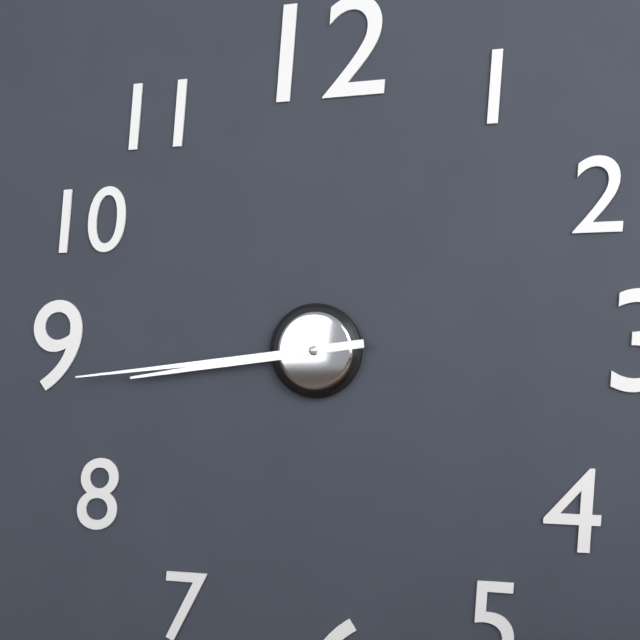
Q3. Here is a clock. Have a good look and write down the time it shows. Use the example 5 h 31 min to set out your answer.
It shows 8 h 44 min
